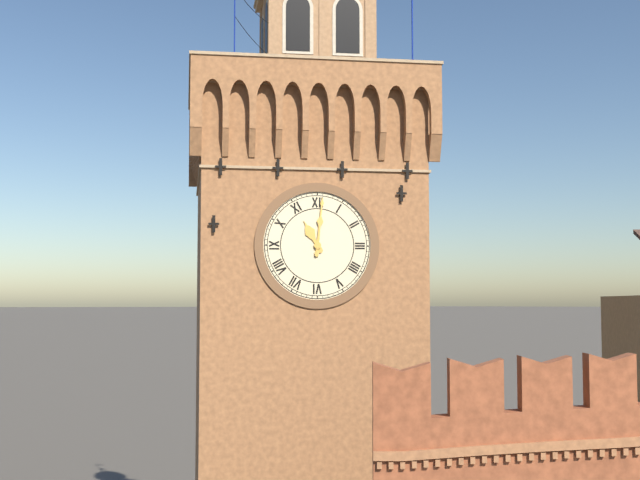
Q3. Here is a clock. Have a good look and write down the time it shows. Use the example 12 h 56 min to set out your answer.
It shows 11 h 01 min
